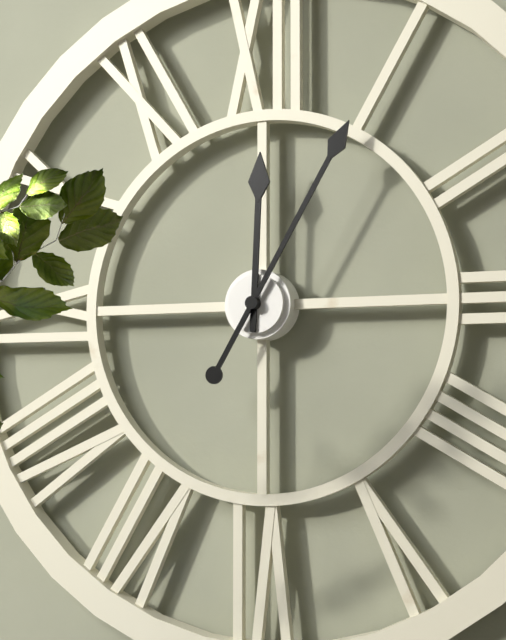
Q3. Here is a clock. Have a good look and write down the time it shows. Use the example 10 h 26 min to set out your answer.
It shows 12 h 05 min
